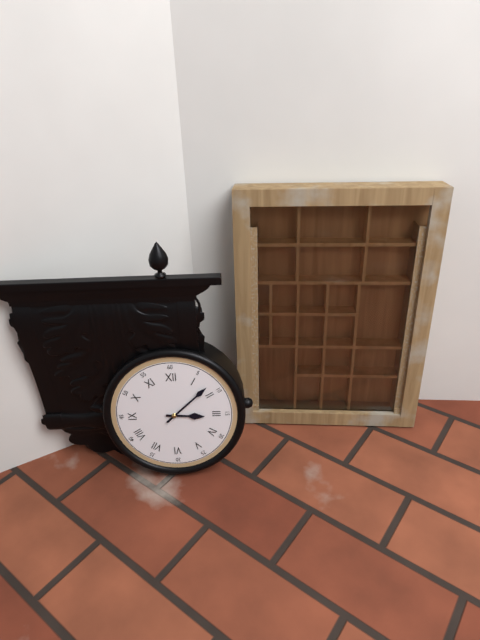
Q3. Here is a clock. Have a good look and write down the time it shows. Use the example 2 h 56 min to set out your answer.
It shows 3 h 08 min
